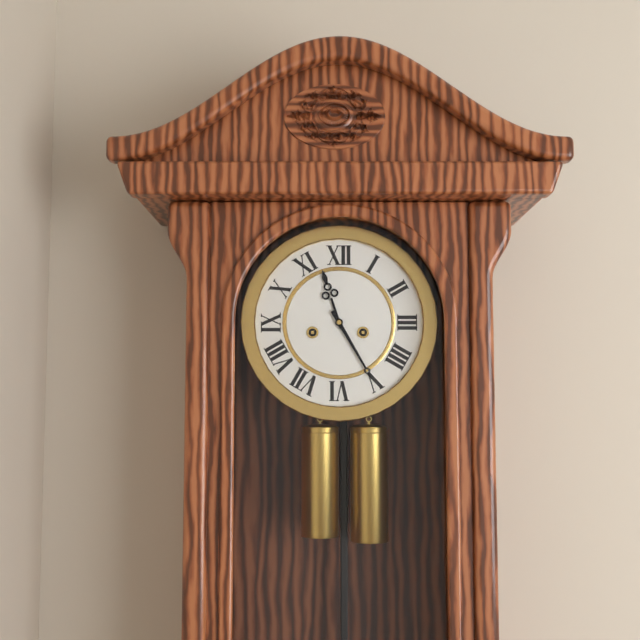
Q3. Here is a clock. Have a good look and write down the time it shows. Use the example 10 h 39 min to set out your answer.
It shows 11 h 25 min
